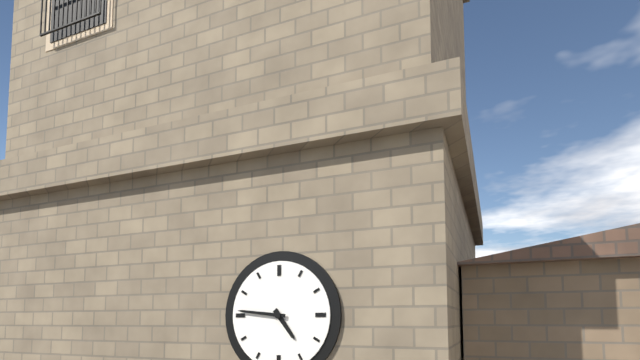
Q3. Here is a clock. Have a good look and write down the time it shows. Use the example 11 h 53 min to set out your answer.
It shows 4 h 46 min
